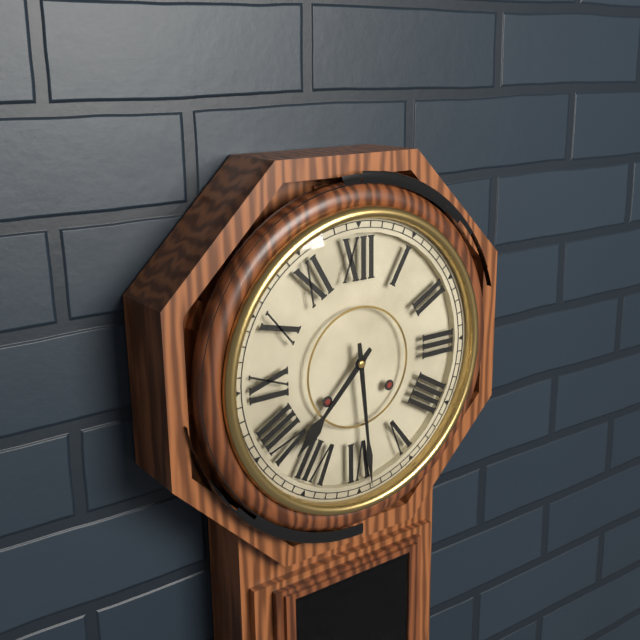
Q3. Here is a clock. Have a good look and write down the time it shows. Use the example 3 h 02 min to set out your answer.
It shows 7 h 29 min
